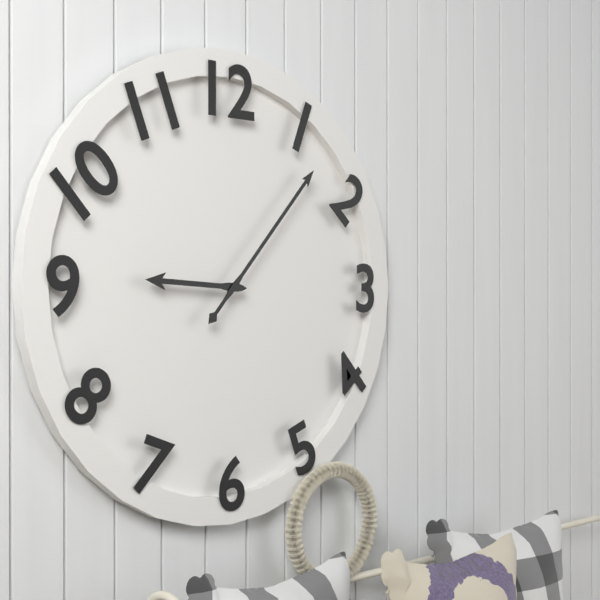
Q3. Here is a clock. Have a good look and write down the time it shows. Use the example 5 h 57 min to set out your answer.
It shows 9 h 07 min
